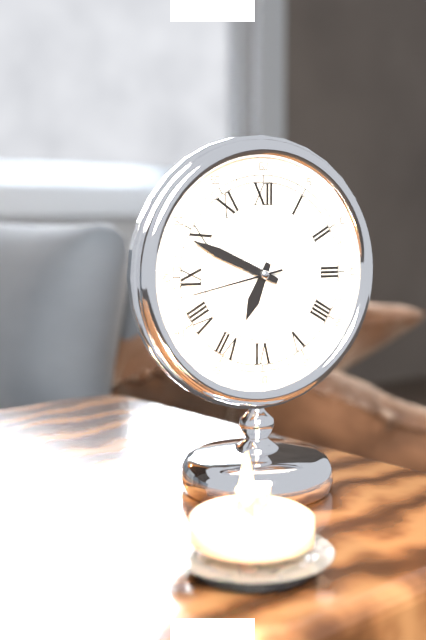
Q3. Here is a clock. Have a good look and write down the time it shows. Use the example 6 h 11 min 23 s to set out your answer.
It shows 6 h 49 min 43 s
